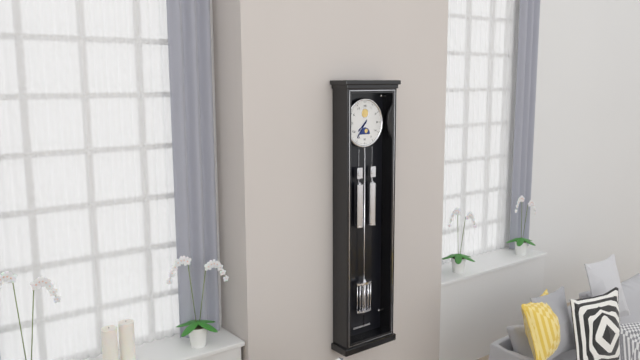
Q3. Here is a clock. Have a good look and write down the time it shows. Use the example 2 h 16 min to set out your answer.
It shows 7 h 36 min
